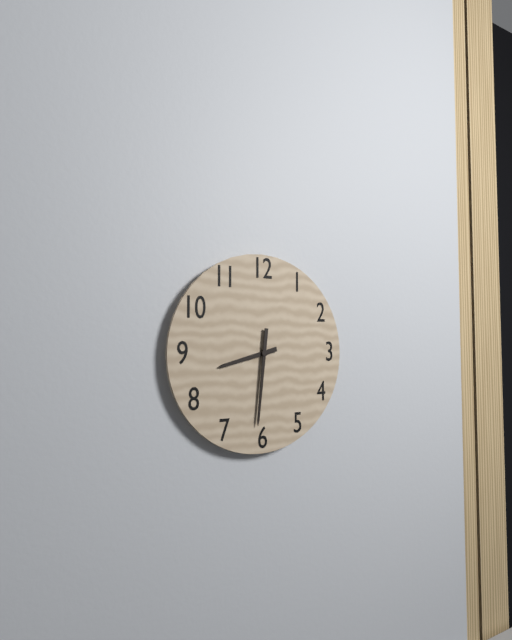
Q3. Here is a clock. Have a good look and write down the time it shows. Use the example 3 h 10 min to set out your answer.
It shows 8 h 31 min
